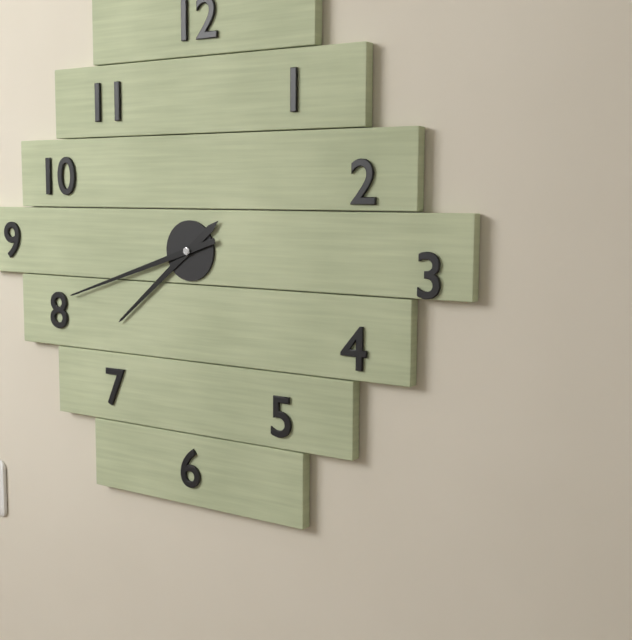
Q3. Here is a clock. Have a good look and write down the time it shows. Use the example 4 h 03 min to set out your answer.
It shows 7 h 42 min
